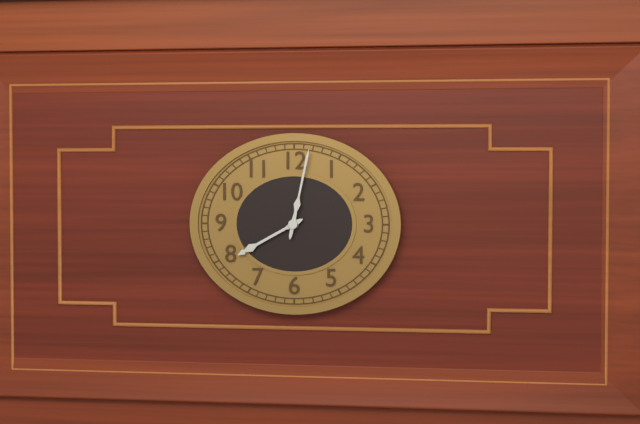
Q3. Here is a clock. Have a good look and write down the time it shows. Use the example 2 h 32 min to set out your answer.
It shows 8 h 02 min
